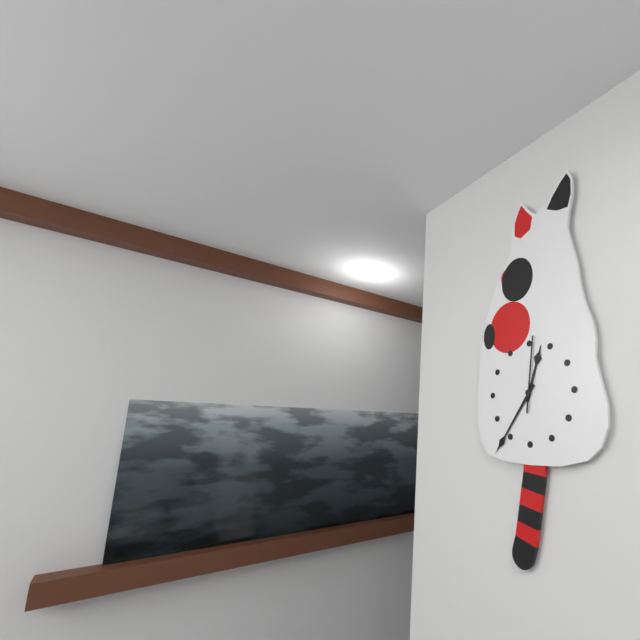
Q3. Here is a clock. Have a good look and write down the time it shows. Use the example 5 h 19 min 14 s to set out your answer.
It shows 12 h 36 min 01 s
